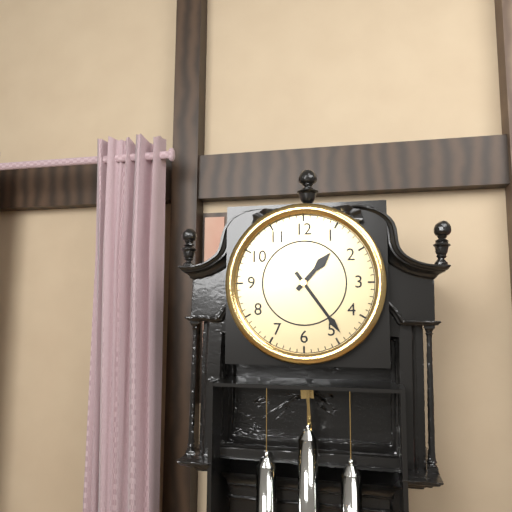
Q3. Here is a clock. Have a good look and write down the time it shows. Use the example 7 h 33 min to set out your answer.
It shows 1 h 24 min
